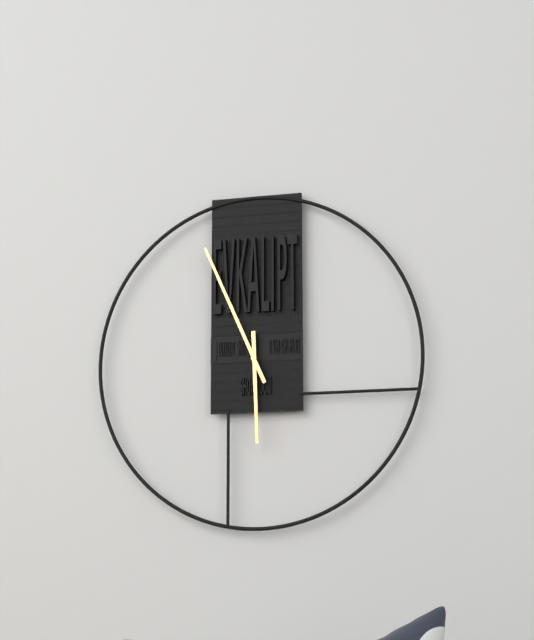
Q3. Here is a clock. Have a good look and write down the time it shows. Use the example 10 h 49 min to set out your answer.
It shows 5 h 56 min
